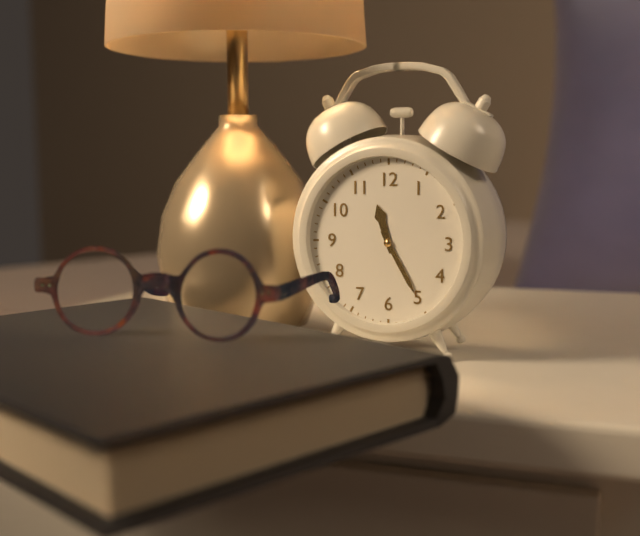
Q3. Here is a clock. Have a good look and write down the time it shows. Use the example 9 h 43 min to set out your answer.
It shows 11 h 25 min
